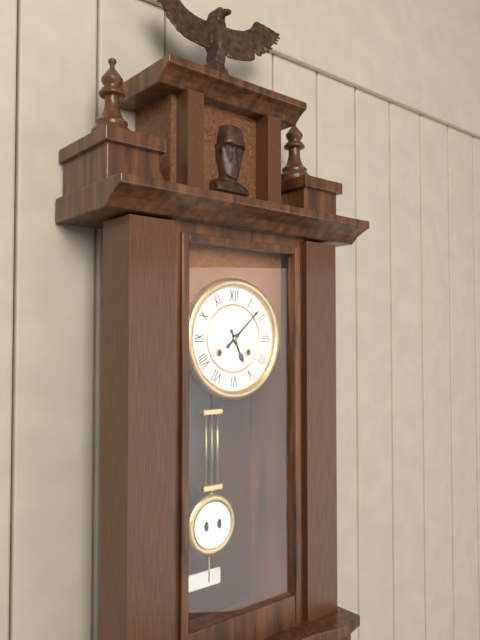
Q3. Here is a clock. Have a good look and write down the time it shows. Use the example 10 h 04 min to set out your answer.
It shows 5 h 08 min
